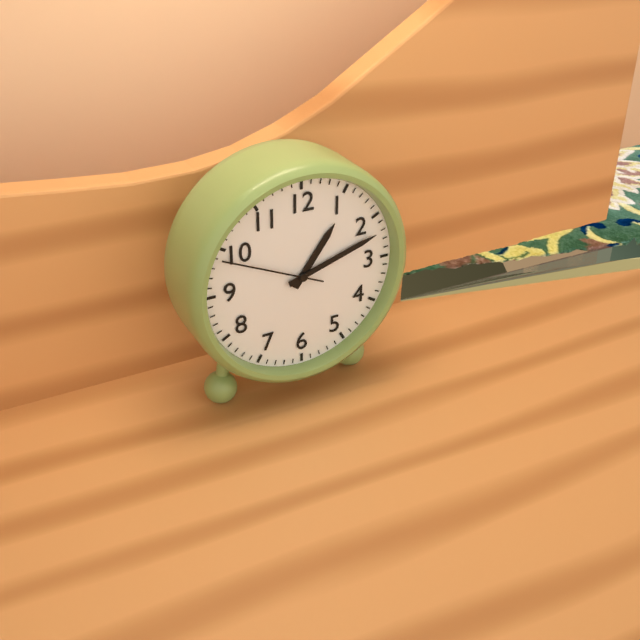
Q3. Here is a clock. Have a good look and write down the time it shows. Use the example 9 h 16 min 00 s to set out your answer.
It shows 1 h 12 min 49 s
